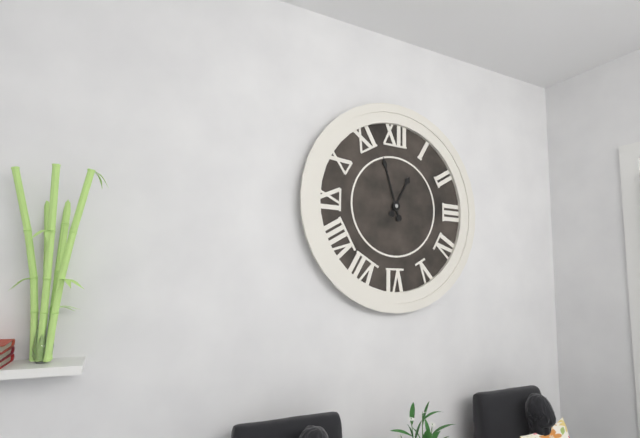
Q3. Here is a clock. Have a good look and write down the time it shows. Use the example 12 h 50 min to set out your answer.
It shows 12 h 57 min
